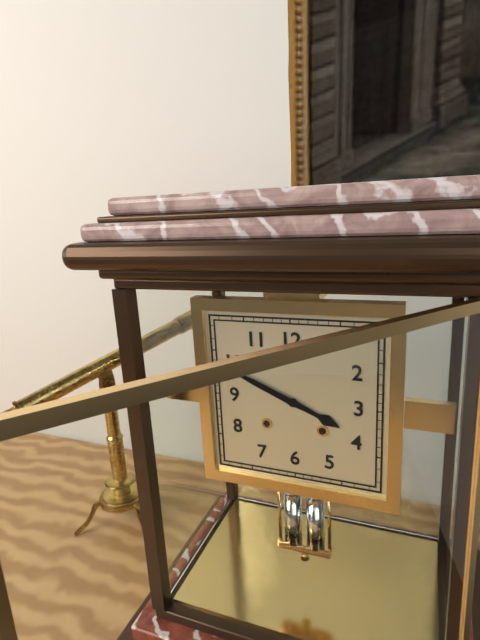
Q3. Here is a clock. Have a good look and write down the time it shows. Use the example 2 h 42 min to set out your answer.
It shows 3 h 49 min
